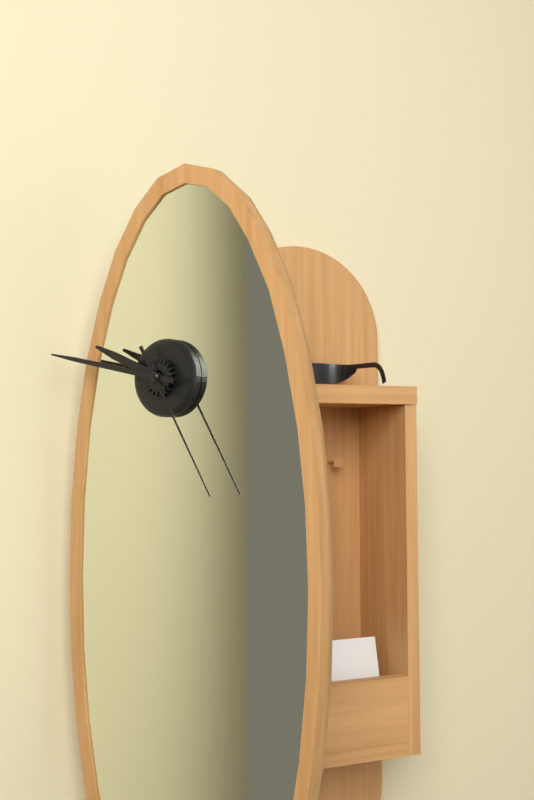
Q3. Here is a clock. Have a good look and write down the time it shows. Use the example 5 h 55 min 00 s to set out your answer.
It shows 9 h 47 min 25 s
